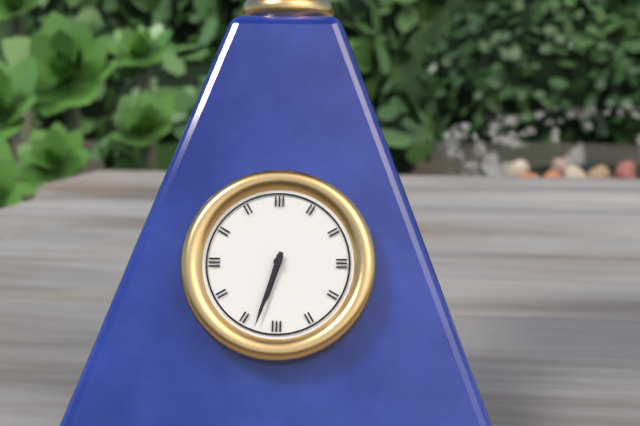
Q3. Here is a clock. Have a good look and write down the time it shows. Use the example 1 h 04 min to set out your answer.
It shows 6 h 33 min
